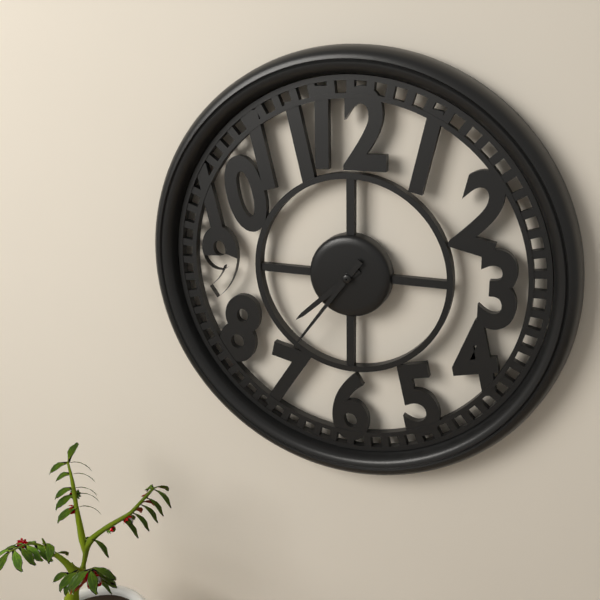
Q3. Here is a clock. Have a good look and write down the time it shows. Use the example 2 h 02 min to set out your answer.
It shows 7 h 36 min
